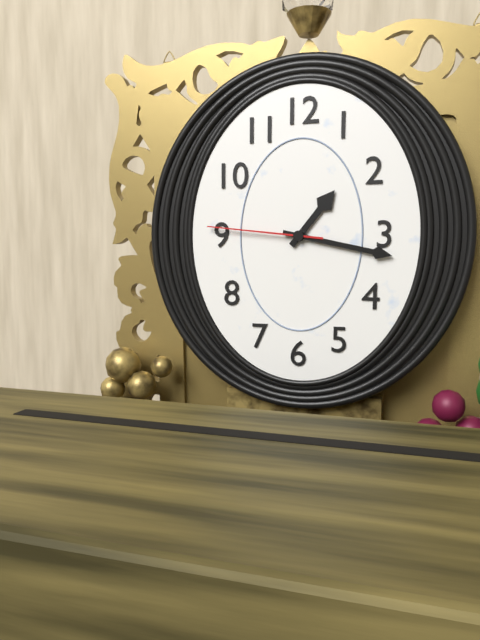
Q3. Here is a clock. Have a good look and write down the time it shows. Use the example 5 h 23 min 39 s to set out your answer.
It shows 1 h 17 min 46 s
